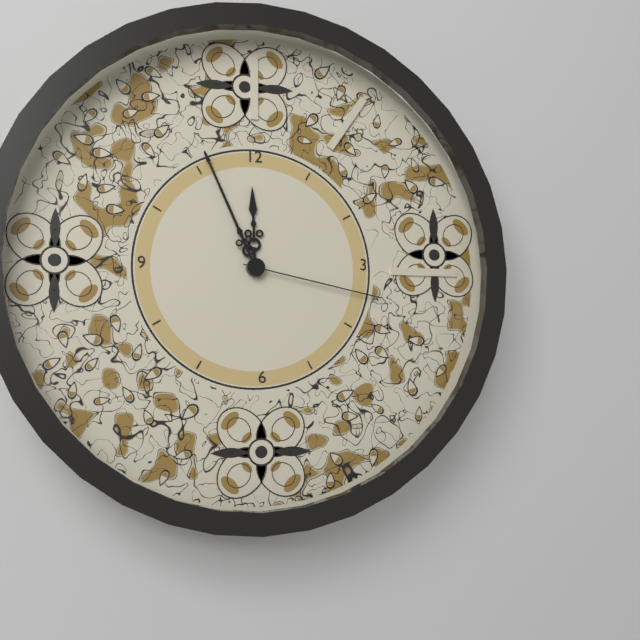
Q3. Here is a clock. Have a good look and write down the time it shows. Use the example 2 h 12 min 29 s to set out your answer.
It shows 11 h 56 min 17 s
